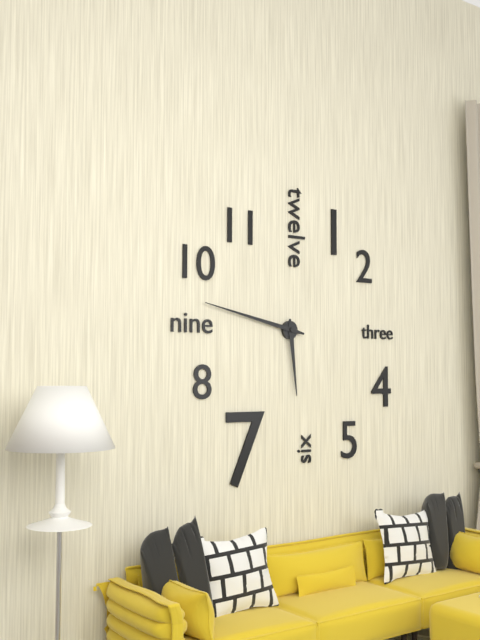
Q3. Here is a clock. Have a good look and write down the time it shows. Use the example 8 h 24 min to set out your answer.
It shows 5 h 47 min
